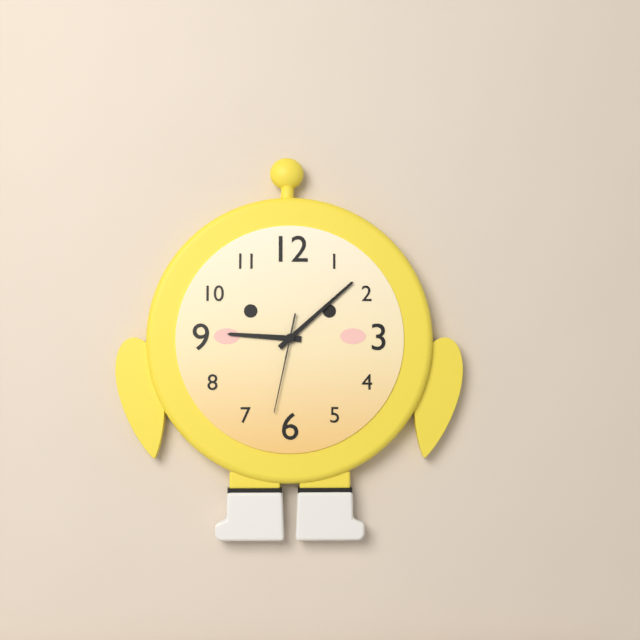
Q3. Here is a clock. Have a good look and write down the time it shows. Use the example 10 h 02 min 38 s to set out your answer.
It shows 9 h 08 min 32 s
